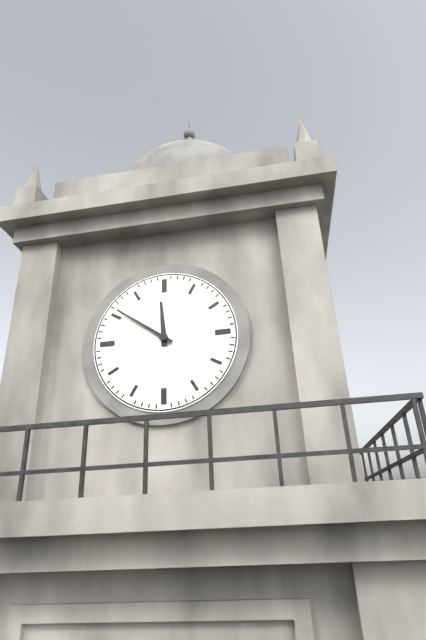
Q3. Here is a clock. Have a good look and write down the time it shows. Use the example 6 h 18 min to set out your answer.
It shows 11 h 51 min
